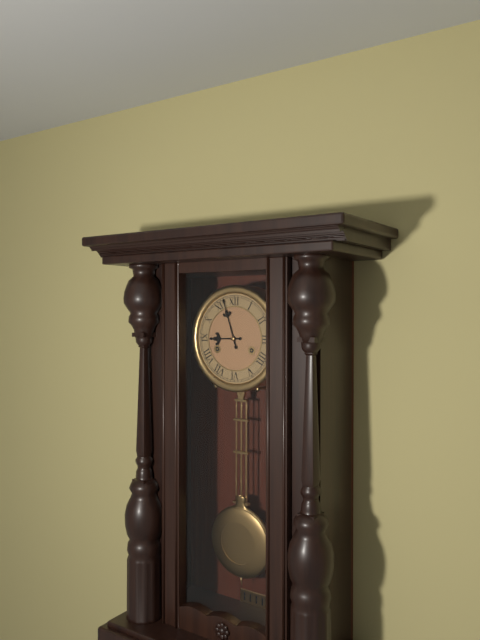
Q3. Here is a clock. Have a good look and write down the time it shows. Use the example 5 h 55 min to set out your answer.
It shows 8 h 57 min
